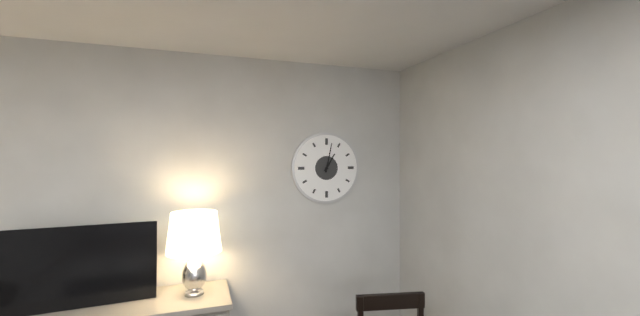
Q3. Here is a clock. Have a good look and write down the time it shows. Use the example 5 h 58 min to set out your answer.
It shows 1 h 02 min
